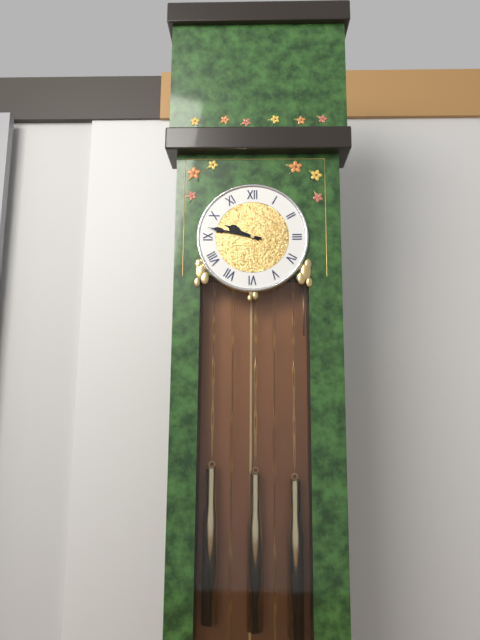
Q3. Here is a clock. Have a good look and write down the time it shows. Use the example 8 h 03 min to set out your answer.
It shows 9 h 47 min
